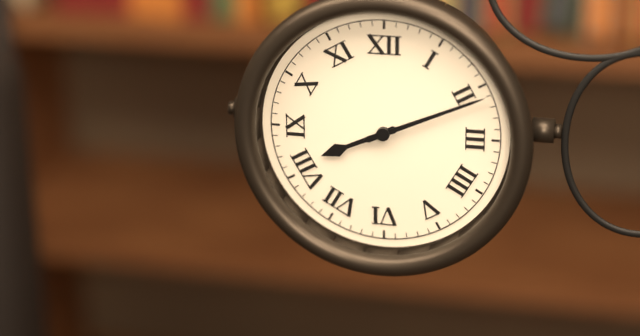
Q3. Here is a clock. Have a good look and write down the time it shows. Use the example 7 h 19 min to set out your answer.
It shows 8 h 11 min
